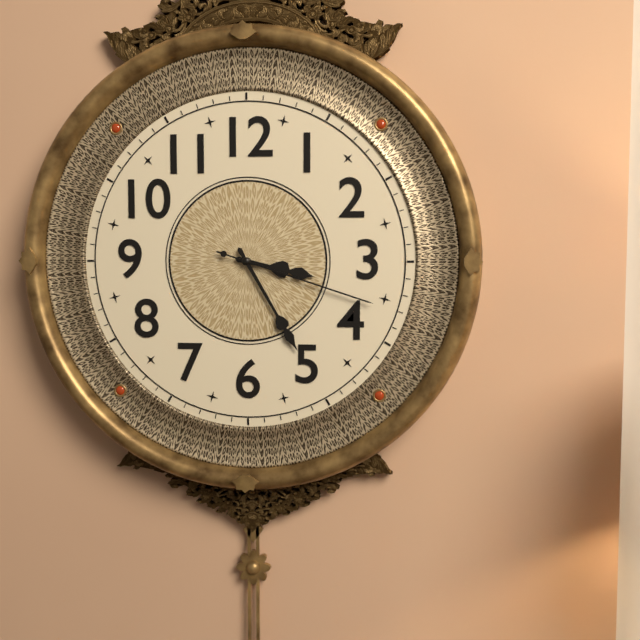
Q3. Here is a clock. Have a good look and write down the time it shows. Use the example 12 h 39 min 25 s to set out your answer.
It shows 3 h 25 min 18 s
